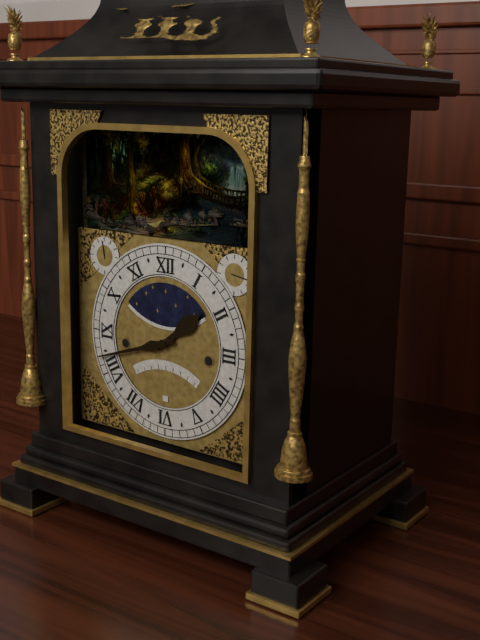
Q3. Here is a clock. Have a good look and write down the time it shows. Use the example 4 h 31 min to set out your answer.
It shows 1 h 42 min
